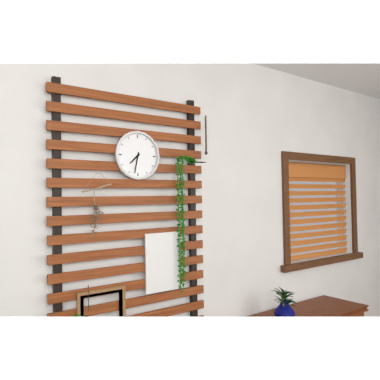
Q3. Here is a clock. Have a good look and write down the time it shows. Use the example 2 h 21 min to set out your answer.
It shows 7 h 32 min
